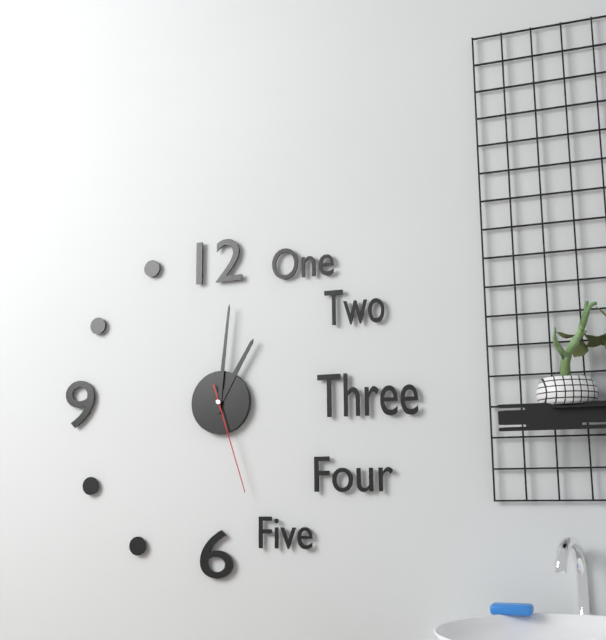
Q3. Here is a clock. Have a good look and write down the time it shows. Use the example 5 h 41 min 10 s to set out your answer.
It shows 1 h 01 min 27 s
